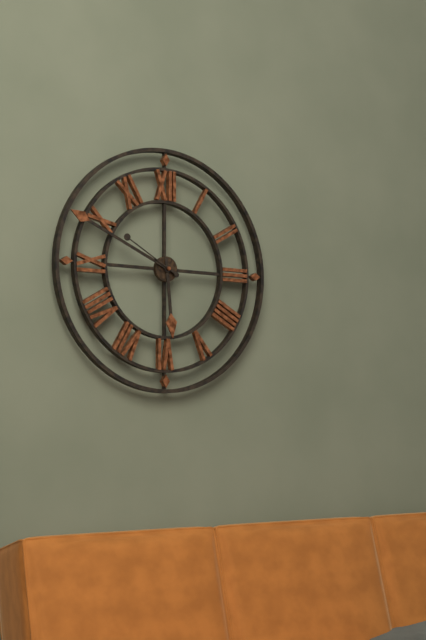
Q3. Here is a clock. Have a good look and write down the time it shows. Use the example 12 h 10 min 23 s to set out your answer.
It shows 5 h 49 min 50 s
